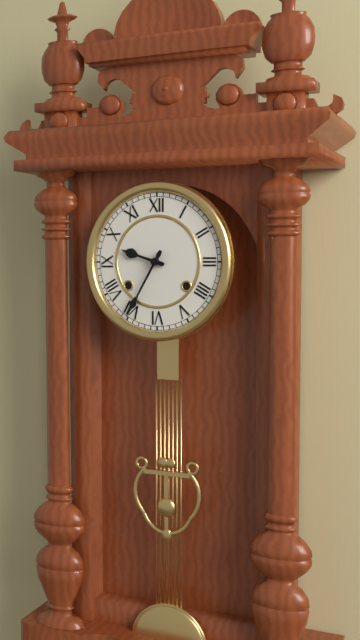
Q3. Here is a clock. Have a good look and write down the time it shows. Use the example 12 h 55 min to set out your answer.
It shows 9 h 35 min
